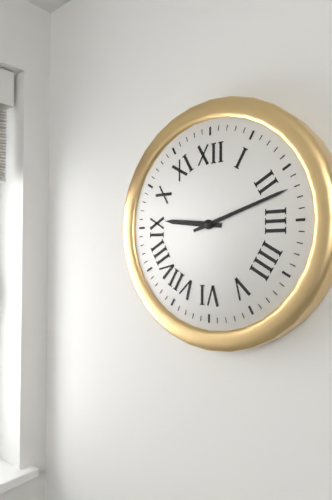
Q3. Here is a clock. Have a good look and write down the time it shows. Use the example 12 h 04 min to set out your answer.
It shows 9 h 12 min
